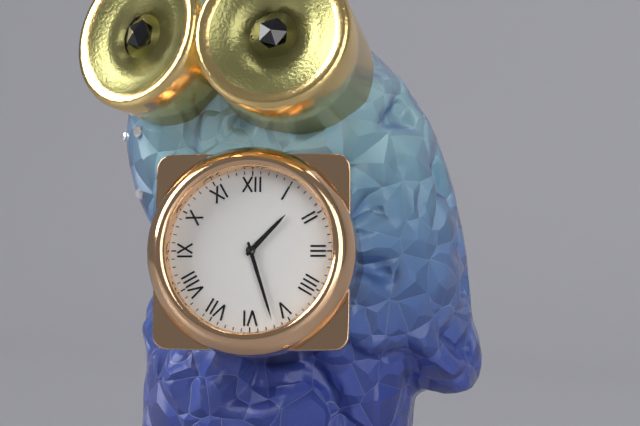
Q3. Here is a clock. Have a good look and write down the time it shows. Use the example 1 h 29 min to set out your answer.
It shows 1 h 27 min
